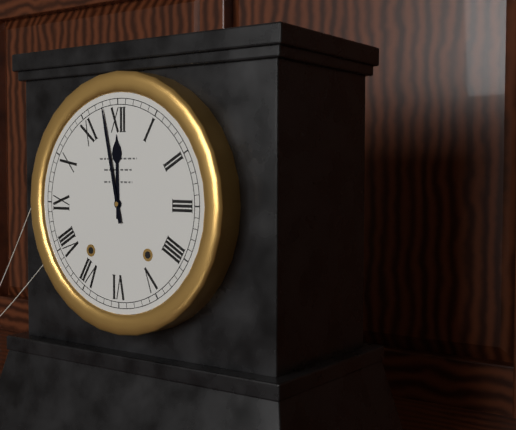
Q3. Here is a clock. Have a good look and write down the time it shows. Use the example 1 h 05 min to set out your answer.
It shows 11 h 58 min
